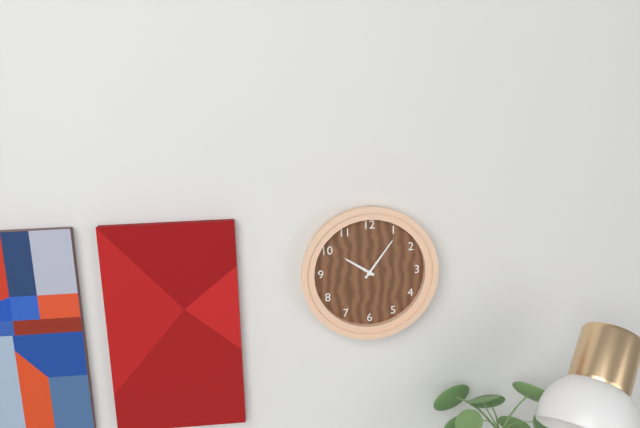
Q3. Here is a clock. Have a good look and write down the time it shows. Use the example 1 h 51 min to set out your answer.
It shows 10 h 06 min
